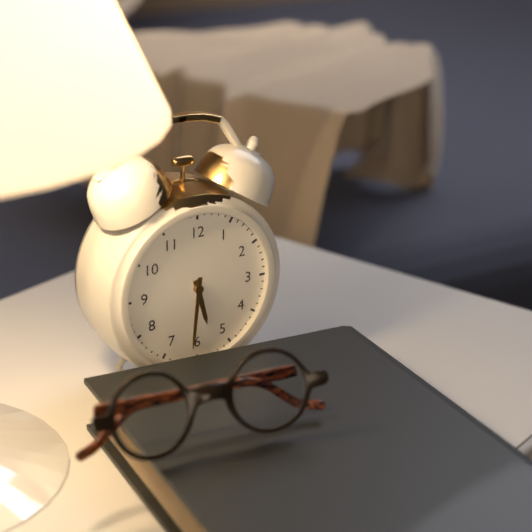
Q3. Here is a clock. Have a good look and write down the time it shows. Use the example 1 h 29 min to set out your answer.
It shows 5 h 31 min
